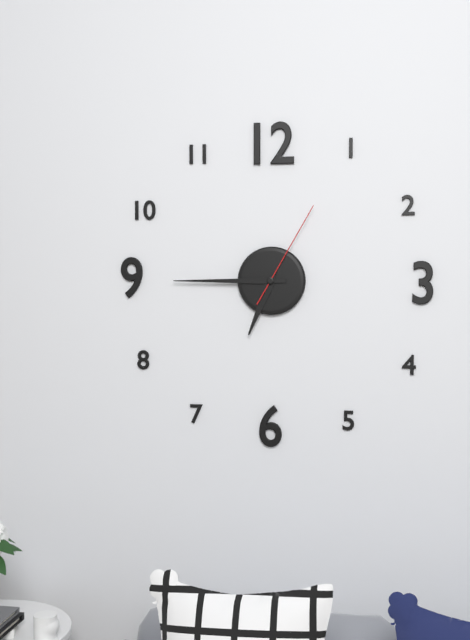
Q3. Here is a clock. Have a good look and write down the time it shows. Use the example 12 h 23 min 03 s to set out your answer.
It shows 6 h 45 min 05 s
